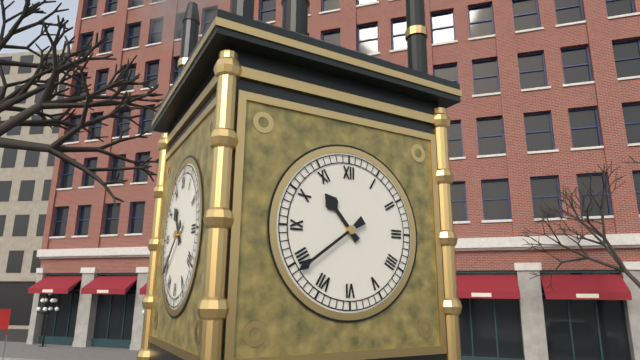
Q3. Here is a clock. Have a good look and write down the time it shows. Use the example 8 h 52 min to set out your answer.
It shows 10 h 39 min
